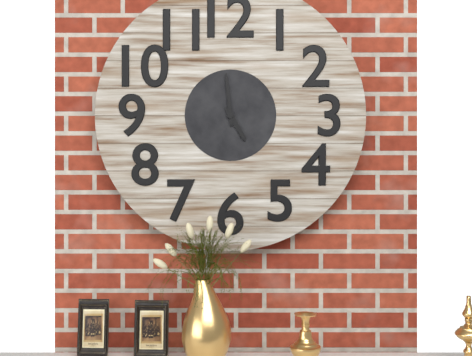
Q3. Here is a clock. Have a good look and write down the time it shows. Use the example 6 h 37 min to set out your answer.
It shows 4 h 59 min
